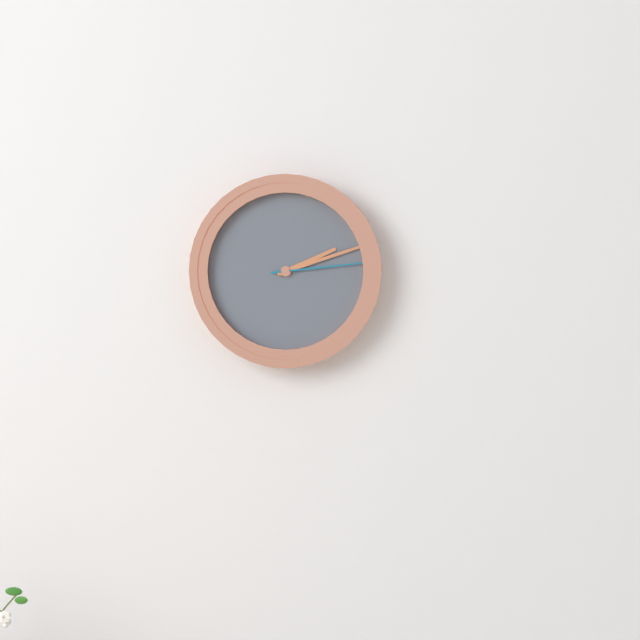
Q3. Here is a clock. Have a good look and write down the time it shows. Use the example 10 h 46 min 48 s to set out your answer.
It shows 2 h 12 min 14 s
